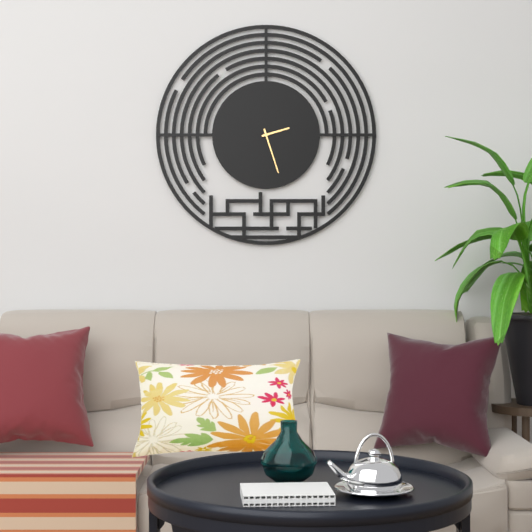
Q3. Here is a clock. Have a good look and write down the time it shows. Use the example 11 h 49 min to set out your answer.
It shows 2 h 27 min
